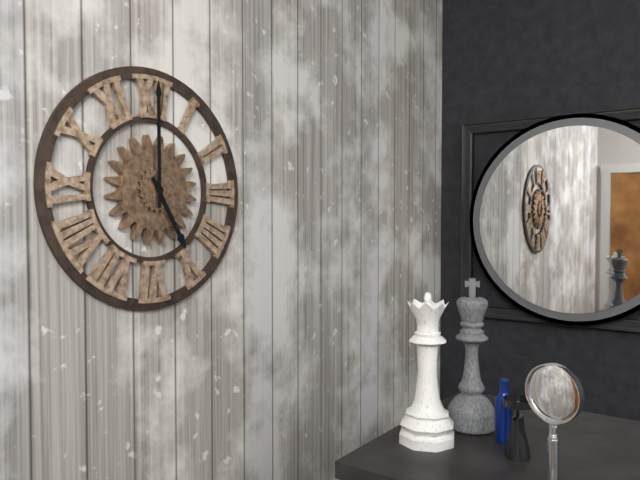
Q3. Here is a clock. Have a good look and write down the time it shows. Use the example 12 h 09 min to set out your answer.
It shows 5 h 00 min
